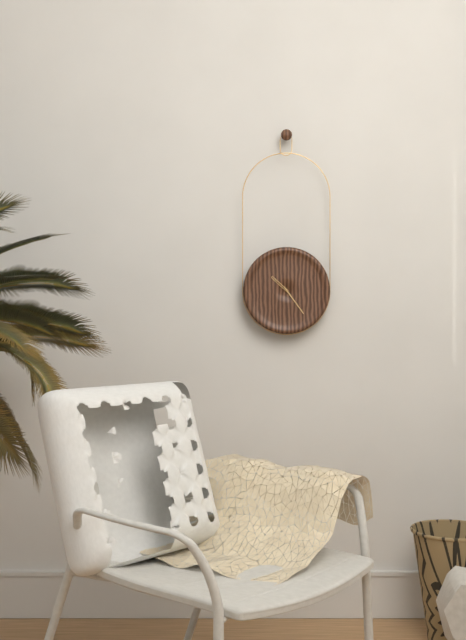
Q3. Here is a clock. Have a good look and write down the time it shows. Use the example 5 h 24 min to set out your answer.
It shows 10 h 24 min
